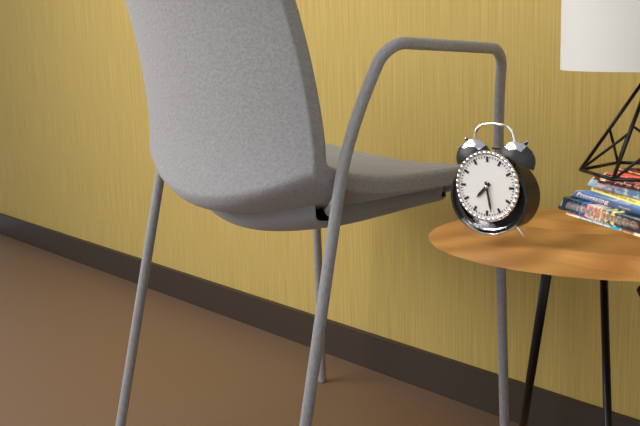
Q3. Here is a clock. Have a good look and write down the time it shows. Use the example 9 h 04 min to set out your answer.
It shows 7 h 28 min
